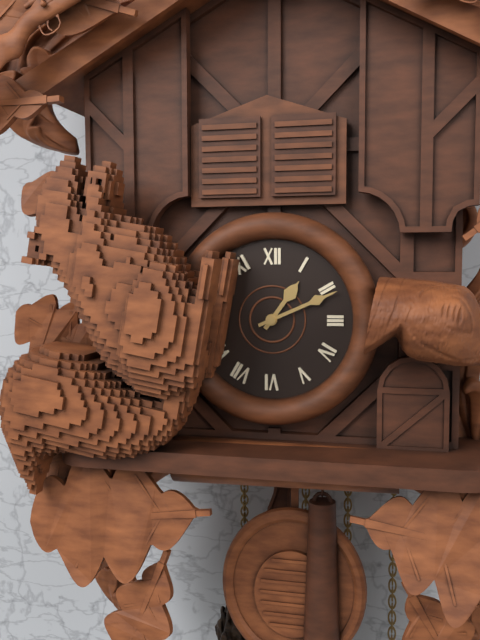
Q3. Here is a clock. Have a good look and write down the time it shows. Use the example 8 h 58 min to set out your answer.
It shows 1 h 11 min
